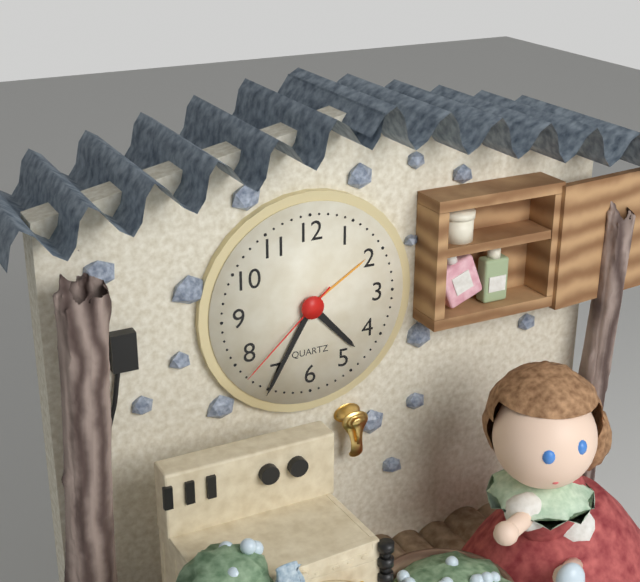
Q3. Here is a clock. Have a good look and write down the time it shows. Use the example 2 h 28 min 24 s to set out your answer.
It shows 4 h 35 min 38 s
